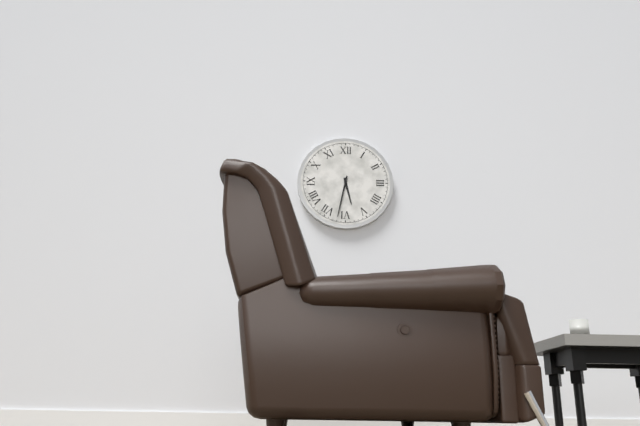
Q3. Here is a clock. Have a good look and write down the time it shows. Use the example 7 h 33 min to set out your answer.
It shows 5 h 32 min
